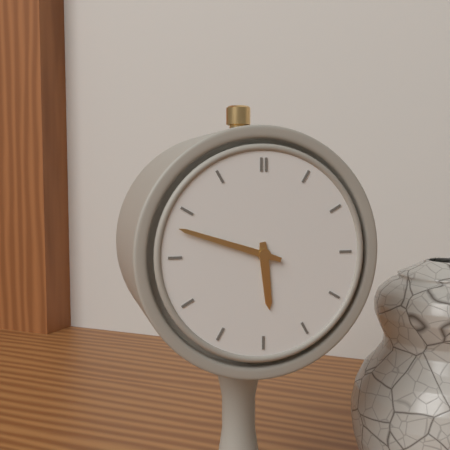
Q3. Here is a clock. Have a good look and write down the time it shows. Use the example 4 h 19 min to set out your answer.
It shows 5 h 48 min
